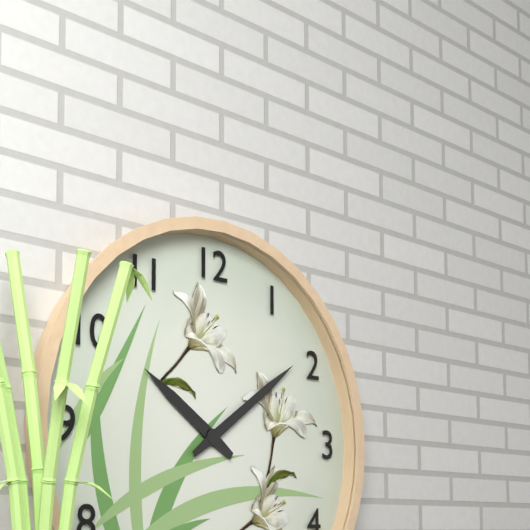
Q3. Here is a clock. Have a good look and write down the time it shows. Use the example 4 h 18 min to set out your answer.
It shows 10 h 09 min
